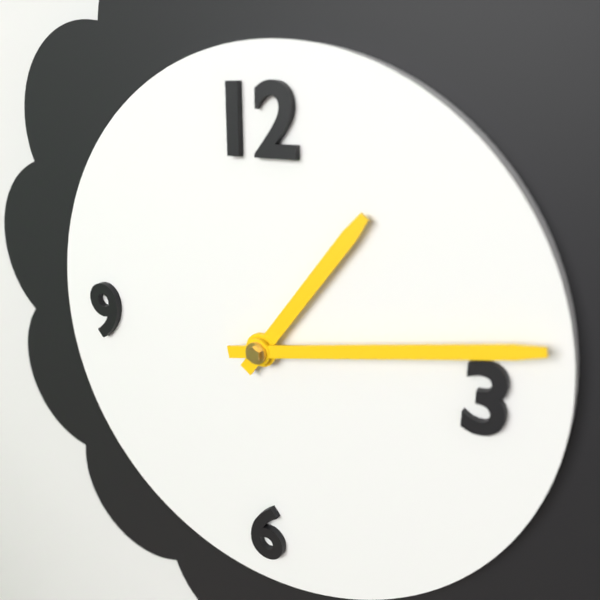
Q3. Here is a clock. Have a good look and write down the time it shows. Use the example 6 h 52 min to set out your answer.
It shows 1 h 13 min
